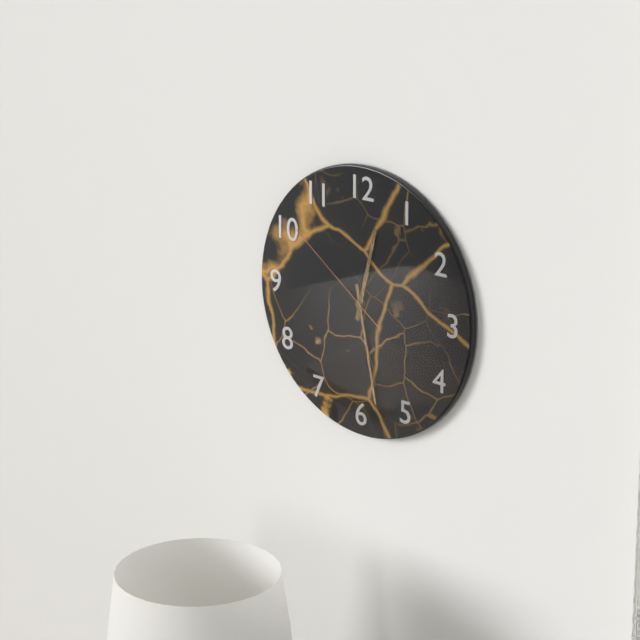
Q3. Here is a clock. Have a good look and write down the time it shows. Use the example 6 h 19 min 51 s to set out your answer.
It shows 12 h 28 min 51 s
